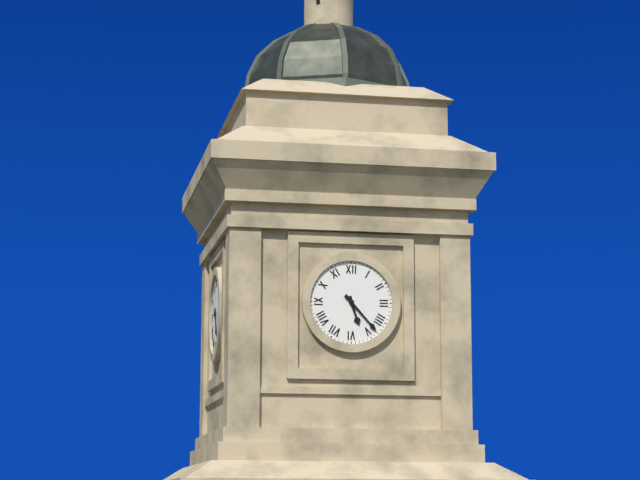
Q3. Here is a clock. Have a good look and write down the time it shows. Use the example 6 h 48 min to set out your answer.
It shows 5 h 23 min
